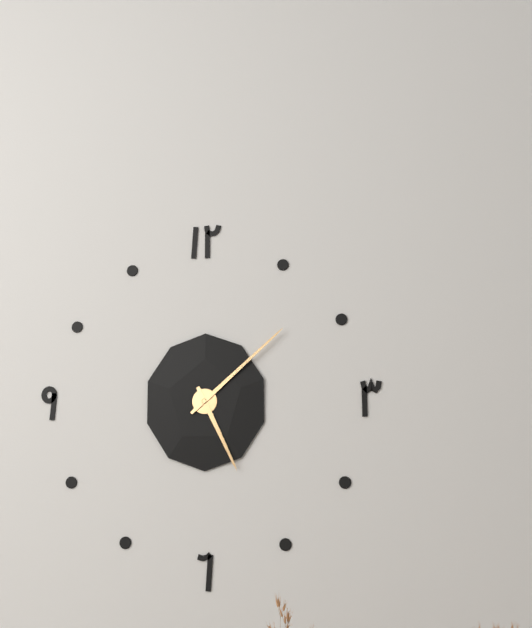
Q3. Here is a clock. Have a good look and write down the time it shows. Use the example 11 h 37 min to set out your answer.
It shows 5 h 08 min
